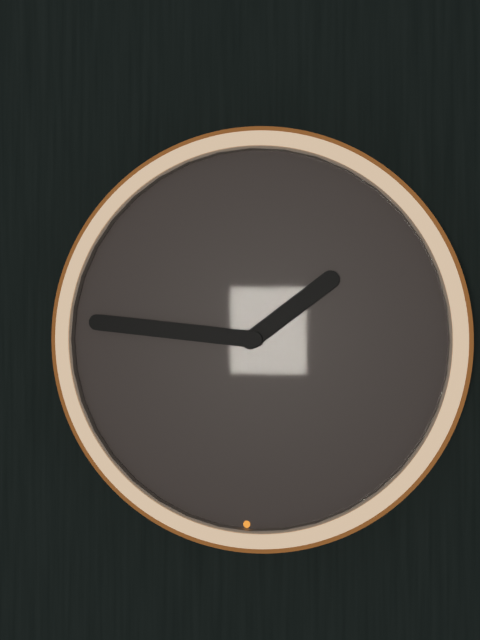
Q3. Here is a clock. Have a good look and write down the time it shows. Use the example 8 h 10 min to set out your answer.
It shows 1 h 46 min
